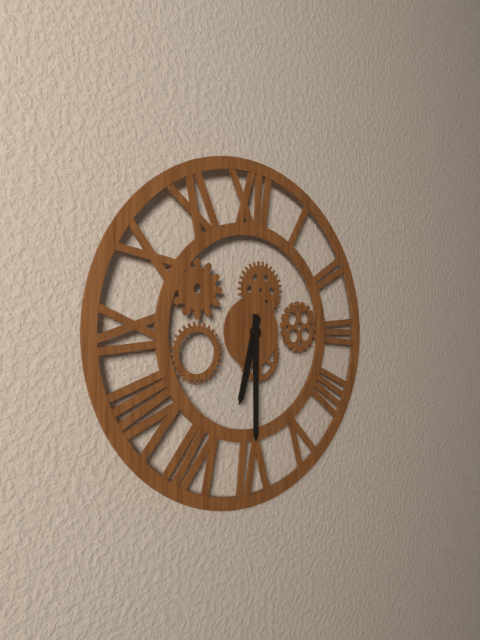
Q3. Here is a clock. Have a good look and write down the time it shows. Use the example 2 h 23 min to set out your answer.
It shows 6 h 30 min
